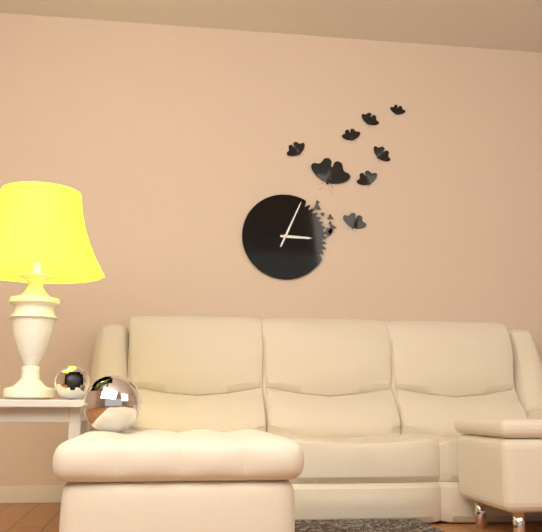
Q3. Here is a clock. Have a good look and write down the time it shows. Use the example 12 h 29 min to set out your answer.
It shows 3 h 04 min
